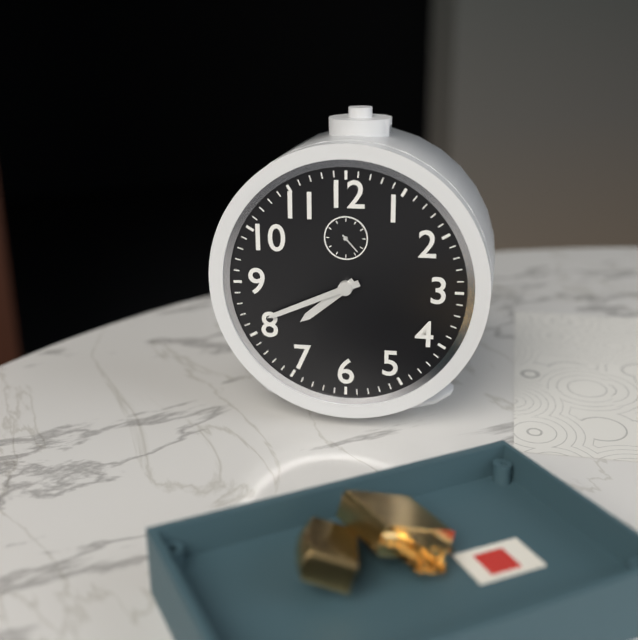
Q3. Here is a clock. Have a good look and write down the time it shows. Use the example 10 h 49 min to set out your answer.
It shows 7 h 41 min
